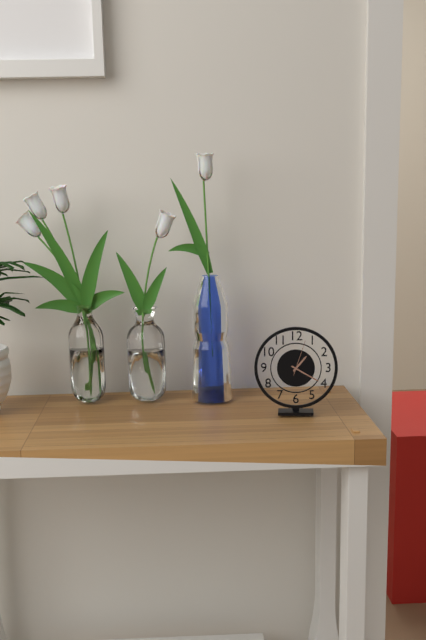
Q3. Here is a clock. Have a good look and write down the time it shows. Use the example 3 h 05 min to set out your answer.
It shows 1 h 20 min
